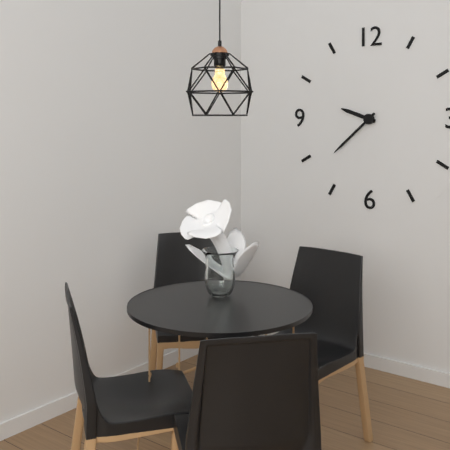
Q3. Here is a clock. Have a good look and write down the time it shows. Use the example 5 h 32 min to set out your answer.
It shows 9 h 38 min
